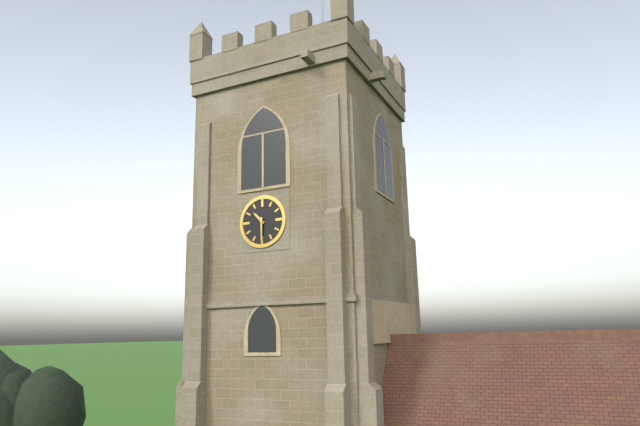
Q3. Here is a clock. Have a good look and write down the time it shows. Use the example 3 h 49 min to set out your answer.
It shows 10 h 30 min
